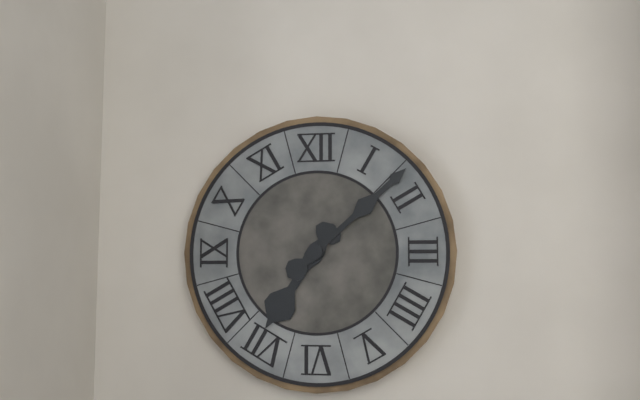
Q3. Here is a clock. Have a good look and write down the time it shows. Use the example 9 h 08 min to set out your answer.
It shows 7 h 08 min
